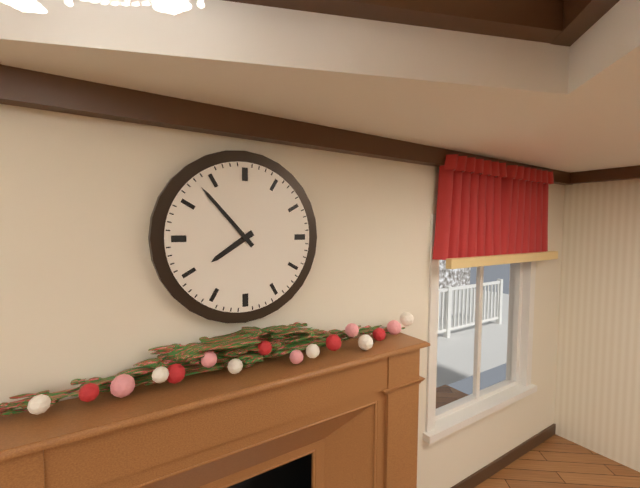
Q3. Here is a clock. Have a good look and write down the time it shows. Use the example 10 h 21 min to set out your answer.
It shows 7 h 53 min
